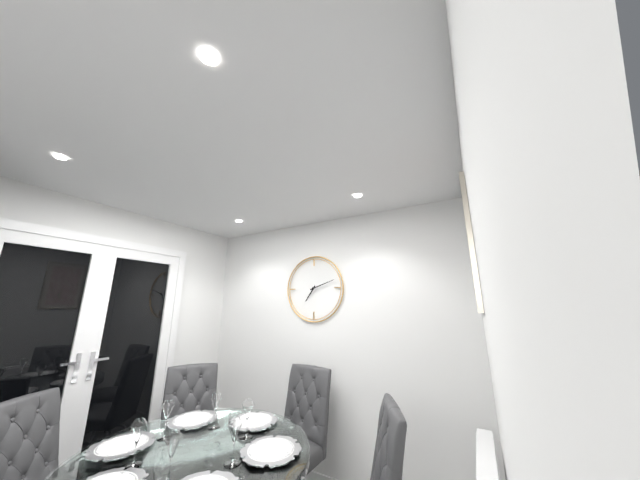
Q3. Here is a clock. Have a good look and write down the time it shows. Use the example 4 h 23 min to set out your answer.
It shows 7 h 12 min
